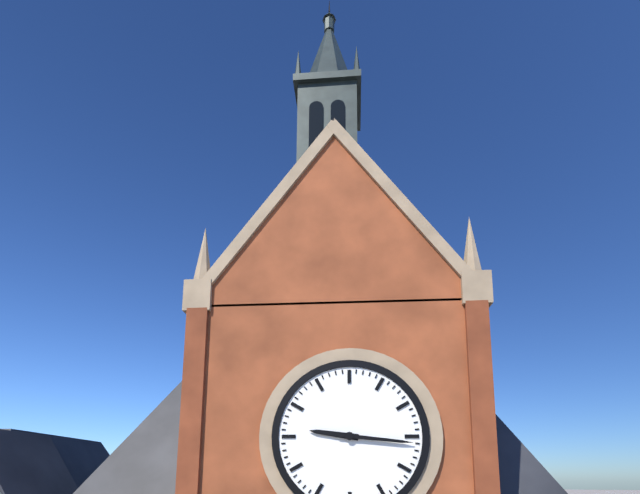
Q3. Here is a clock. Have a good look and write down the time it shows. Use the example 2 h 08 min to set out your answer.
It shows 9 h 16 min
